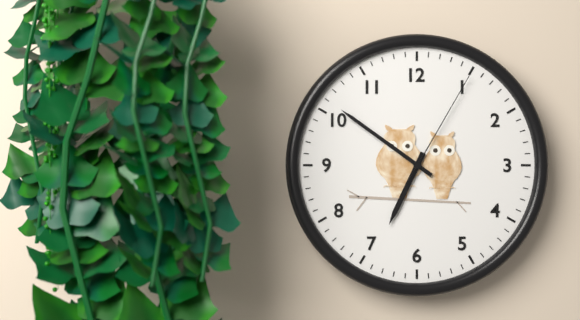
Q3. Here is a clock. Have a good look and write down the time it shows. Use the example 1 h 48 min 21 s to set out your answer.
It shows 6 h 51 min 05 s
